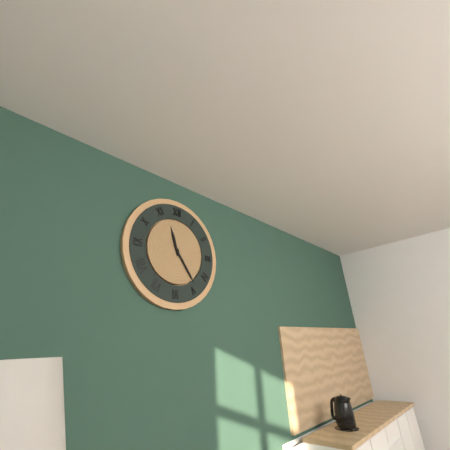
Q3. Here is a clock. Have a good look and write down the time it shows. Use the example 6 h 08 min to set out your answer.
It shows 11 h 24 min
